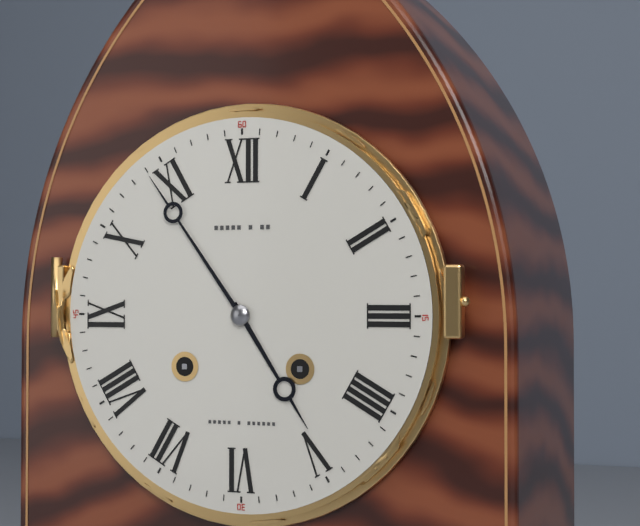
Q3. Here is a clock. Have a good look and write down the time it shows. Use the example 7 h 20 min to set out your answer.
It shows 4 h 54 min
